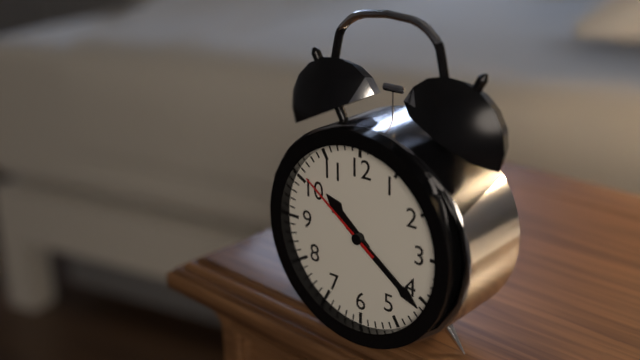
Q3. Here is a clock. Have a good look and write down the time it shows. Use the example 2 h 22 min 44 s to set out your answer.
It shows 10 h 21 min 51 s
